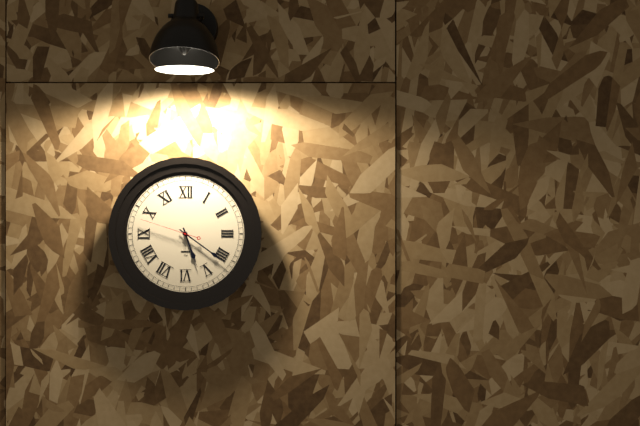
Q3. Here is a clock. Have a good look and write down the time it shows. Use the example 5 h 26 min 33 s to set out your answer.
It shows 5 h 21 min 48 s
